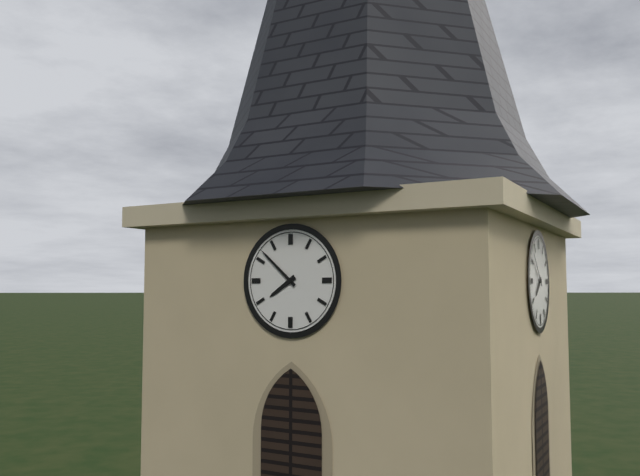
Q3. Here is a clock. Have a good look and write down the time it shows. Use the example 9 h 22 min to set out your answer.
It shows 7 h 52 min
